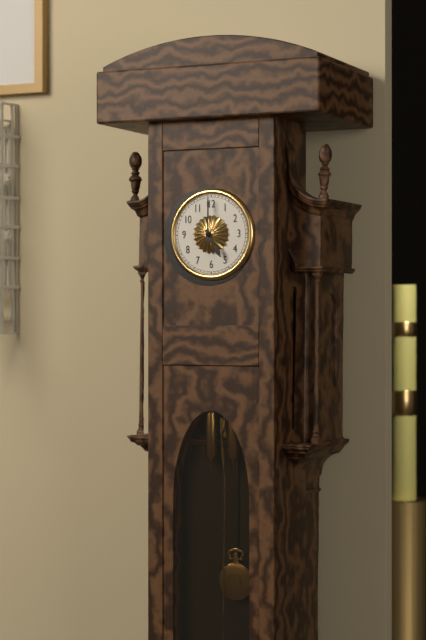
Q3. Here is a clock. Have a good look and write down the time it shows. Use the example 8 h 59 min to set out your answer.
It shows 5 h 00 min
